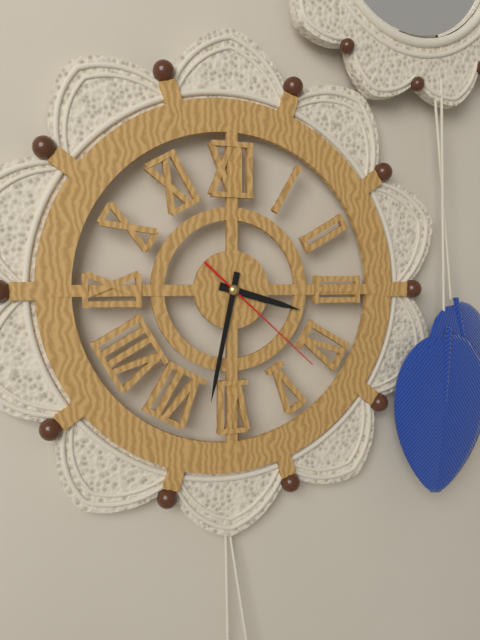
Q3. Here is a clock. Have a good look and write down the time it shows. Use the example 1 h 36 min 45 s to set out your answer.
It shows 3 h 32 min 22 s
